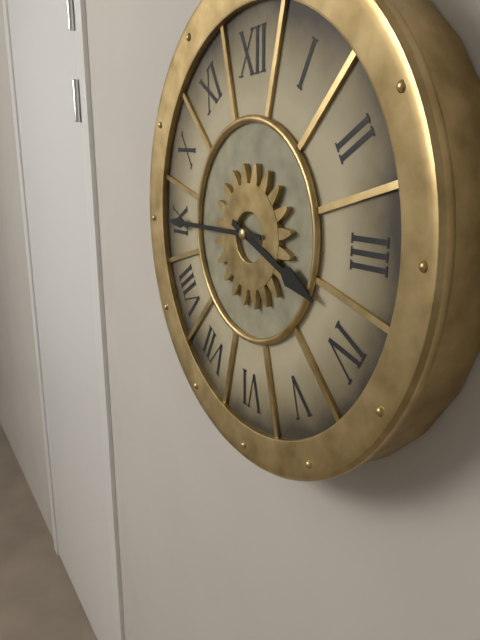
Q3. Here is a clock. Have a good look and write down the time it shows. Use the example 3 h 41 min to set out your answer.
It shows 3 h 45 min
